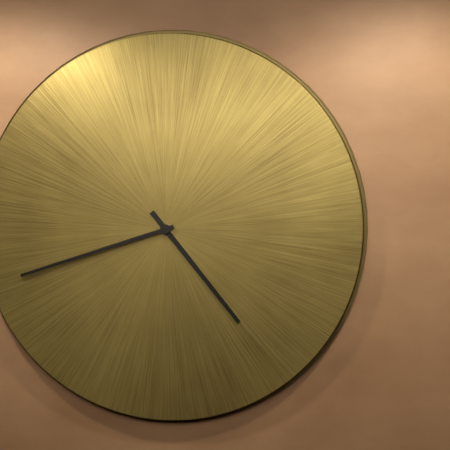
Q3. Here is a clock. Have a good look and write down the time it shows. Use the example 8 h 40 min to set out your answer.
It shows 4 h 42 min
